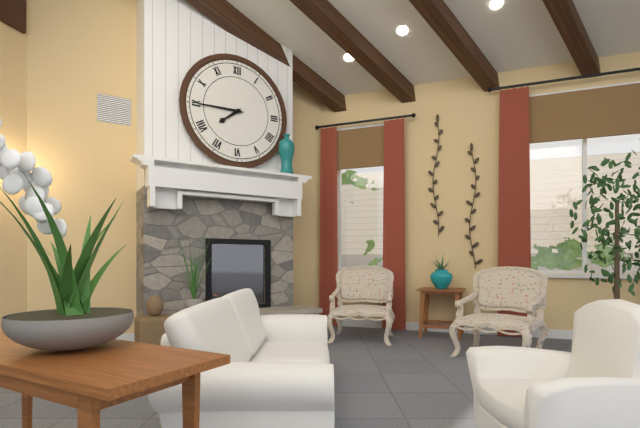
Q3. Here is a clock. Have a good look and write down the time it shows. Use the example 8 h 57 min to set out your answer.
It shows 7 h 45 min
